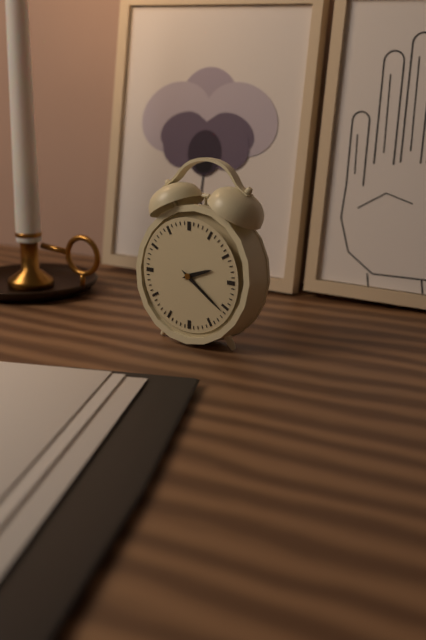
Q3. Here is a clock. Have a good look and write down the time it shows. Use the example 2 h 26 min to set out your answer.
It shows 2 h 21 min
